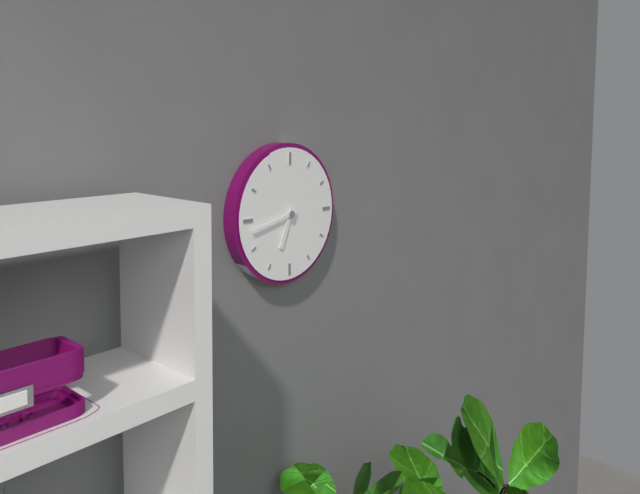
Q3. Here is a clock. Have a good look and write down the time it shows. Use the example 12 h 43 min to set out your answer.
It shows 6 h 43 min
